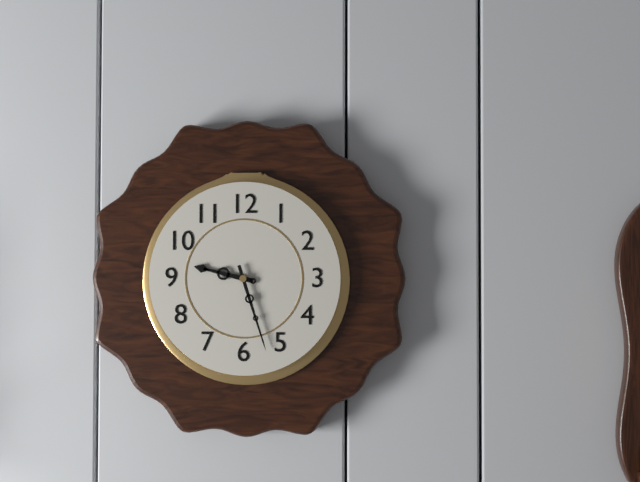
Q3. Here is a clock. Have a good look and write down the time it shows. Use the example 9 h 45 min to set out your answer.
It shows 9 h 27 min
